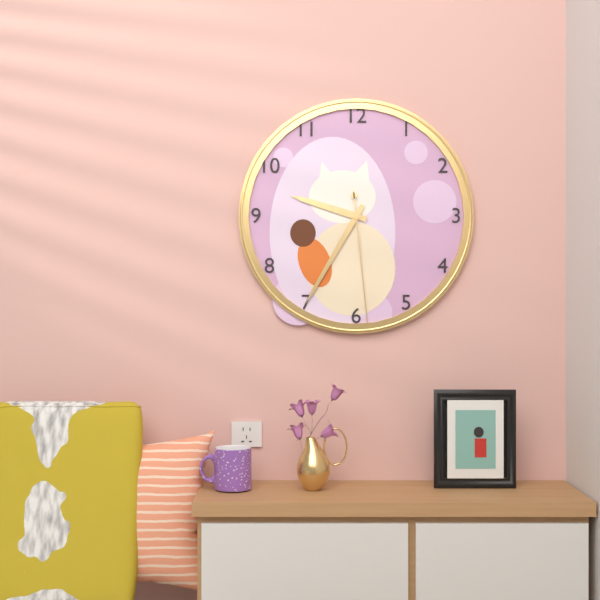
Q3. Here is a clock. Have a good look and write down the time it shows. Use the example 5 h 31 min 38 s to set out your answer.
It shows 9 h 35 min 29 s
